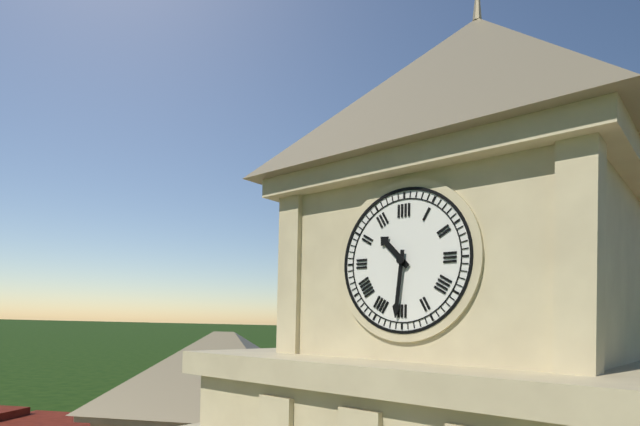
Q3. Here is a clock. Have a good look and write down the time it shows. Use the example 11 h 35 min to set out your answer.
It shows 10 h 31 min
